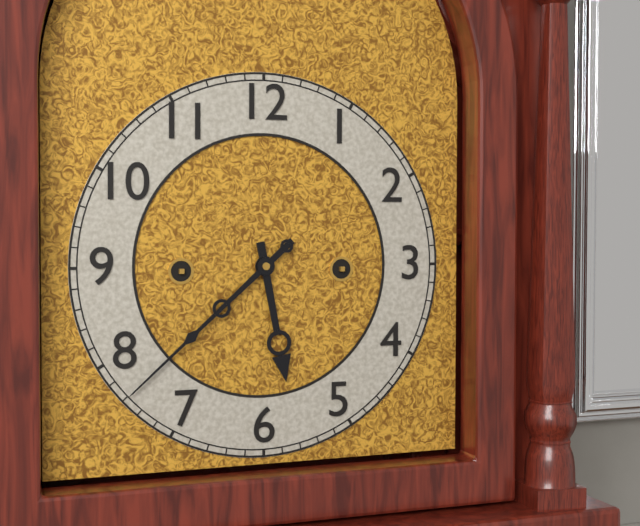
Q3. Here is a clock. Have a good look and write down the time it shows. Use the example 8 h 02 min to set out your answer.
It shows 5 h 38 min
